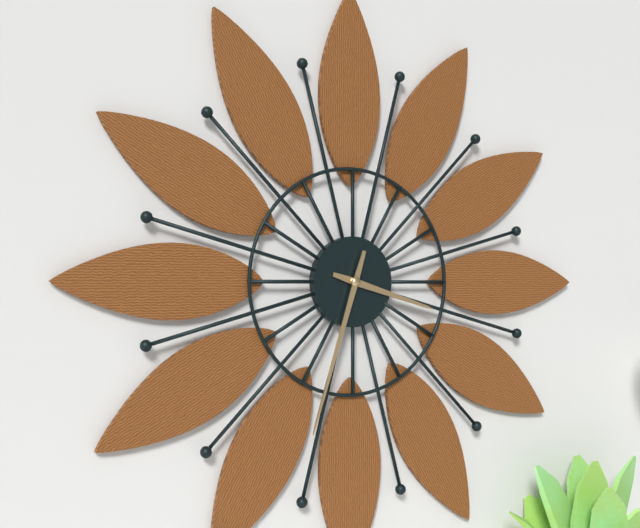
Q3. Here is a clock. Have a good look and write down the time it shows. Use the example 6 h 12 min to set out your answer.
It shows 3 h 33 min
